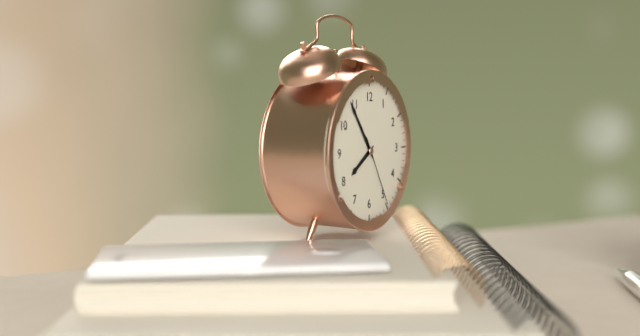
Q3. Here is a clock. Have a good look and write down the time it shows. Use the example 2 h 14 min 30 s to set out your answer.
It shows 7 h 54 min 25 s
